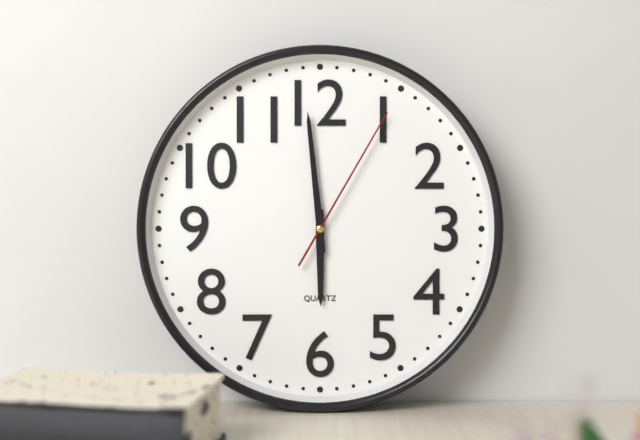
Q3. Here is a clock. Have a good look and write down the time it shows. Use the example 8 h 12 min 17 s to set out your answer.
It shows 5 h 59 min 05 s
